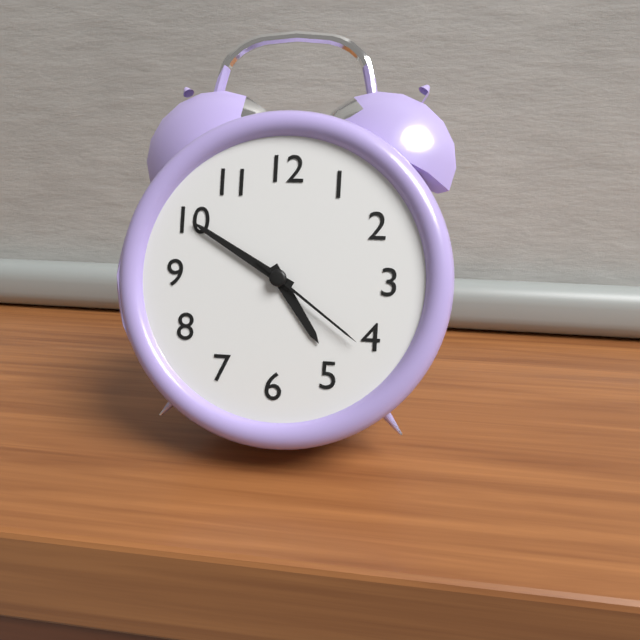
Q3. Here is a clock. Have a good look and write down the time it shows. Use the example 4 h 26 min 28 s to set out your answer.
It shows 4 h 50 min 21 s
